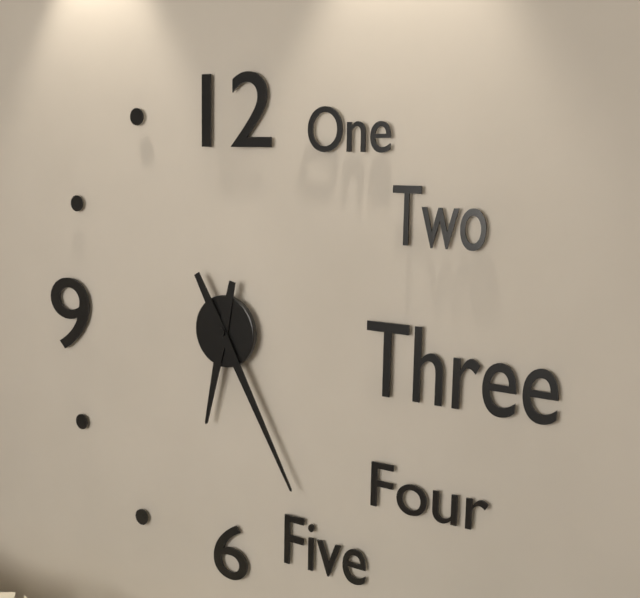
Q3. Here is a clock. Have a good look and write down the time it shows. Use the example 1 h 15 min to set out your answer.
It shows 6 h 25 min
